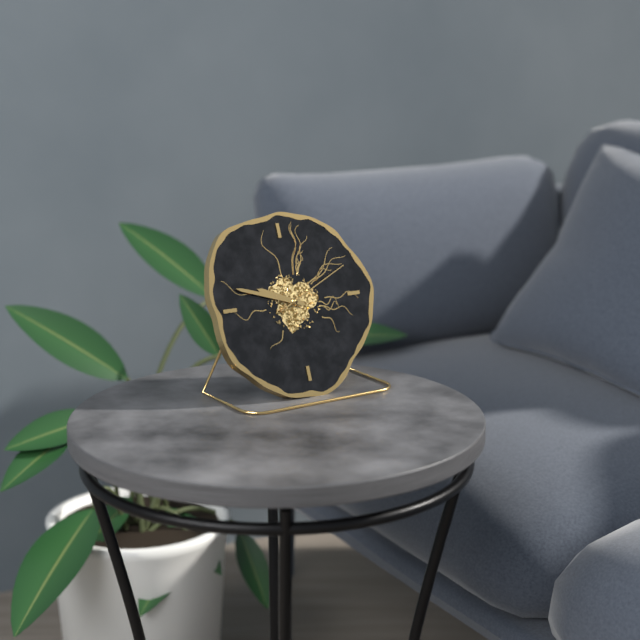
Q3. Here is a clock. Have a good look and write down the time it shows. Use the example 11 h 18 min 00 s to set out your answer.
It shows 9 h 48 min 11 s
